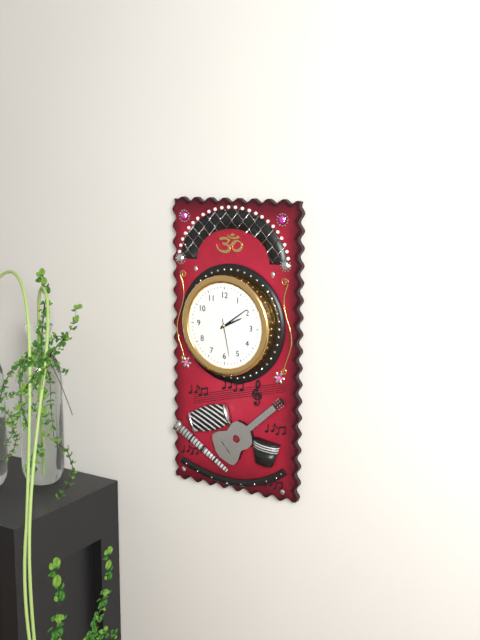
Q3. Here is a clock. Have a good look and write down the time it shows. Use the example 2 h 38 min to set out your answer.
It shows 2 h 09 min
